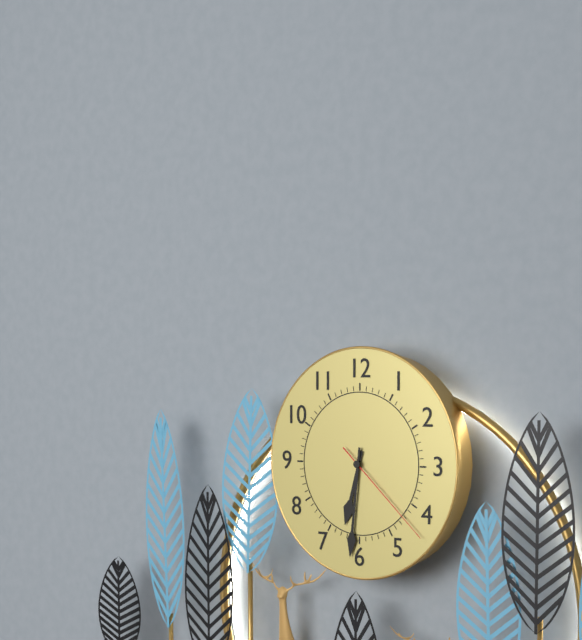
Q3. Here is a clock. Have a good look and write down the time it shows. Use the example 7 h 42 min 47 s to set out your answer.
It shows 6 h 31 min 22 s
